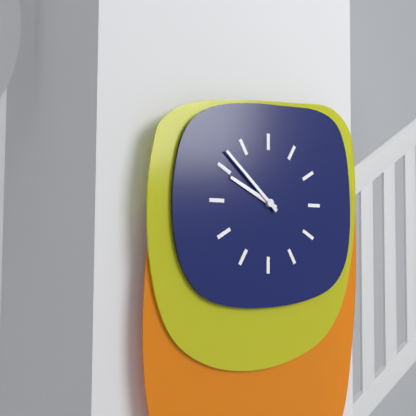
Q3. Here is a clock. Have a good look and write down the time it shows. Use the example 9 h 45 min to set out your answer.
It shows 9 h 52 min
